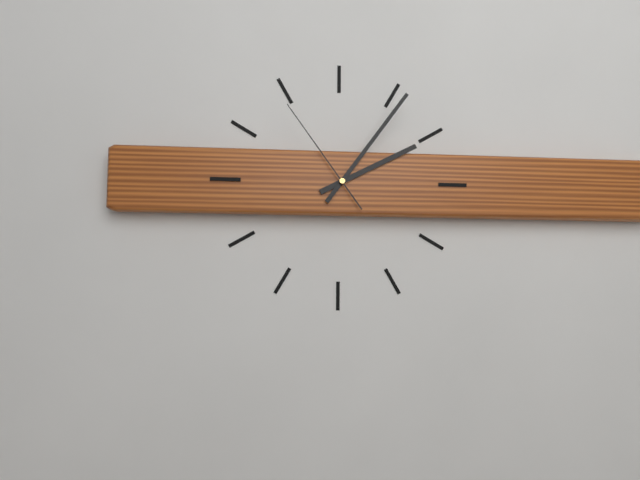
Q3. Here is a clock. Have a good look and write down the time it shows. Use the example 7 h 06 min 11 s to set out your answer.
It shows 2 h 06 min 54 s
